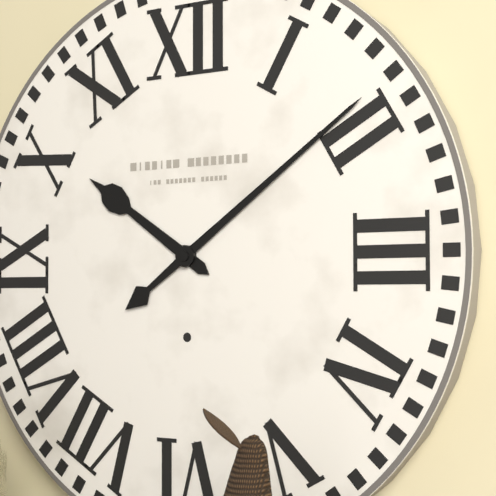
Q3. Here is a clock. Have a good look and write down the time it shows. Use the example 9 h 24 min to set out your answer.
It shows 10 h 09 min
